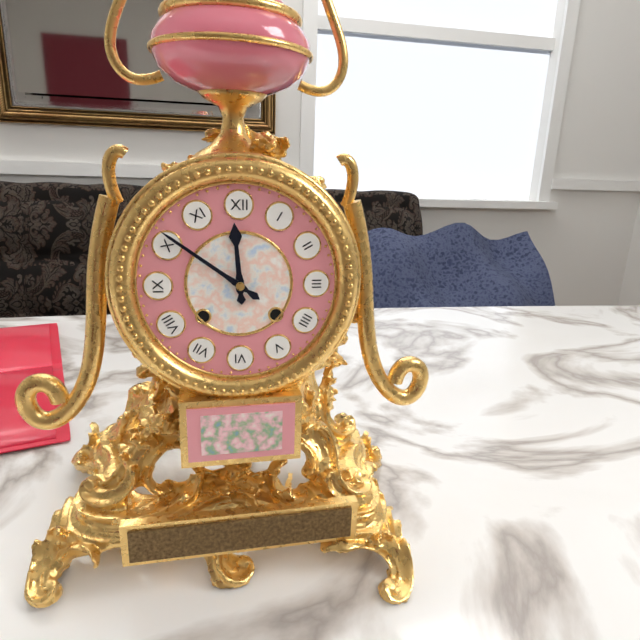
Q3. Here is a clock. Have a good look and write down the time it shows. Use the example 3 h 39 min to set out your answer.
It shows 11 h 51 min
